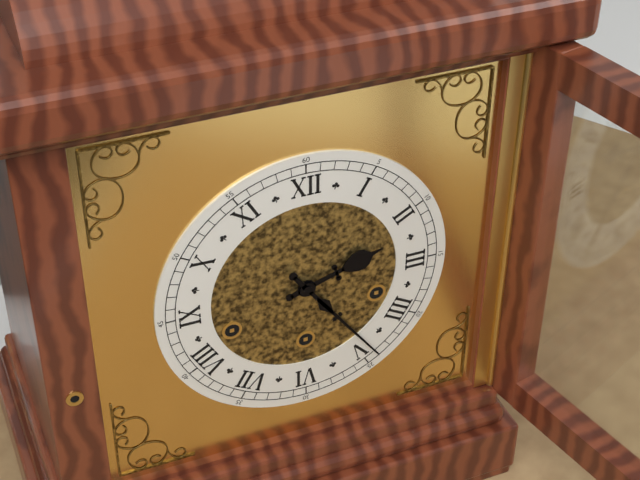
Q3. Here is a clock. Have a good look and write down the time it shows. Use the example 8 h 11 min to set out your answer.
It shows 2 h 24 min
